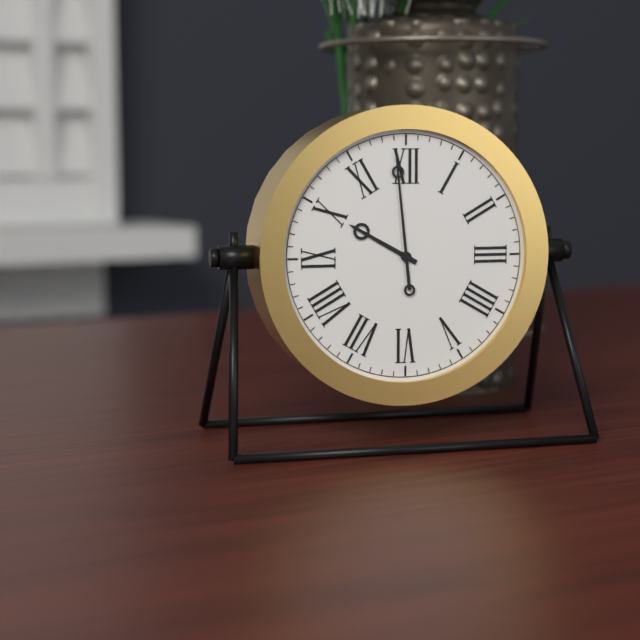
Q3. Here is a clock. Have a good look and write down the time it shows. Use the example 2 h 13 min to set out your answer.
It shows 9 h 59 min
